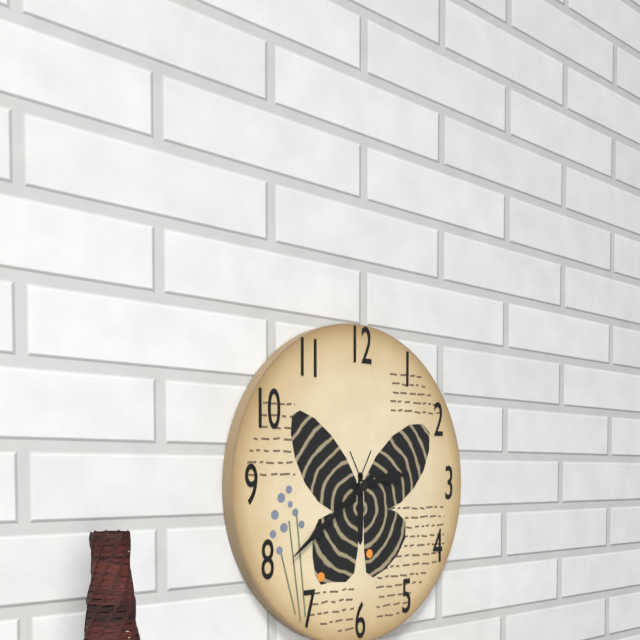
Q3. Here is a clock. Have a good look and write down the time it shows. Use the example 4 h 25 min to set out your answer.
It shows 2 h 39 min
